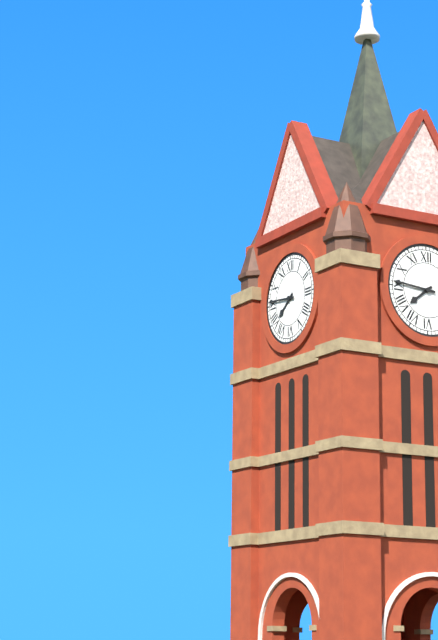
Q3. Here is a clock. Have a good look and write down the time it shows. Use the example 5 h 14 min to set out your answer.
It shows 7 h 46 min
